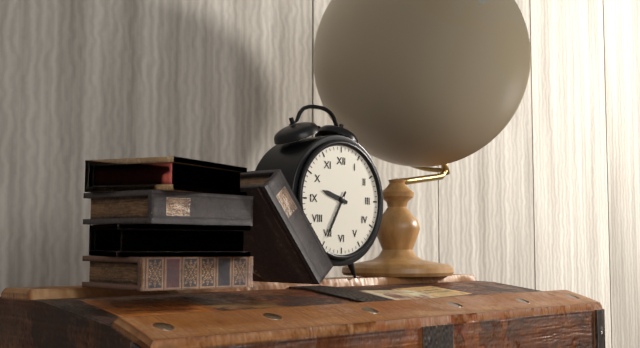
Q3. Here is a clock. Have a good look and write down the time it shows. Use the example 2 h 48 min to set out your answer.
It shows 9 h 35 min
